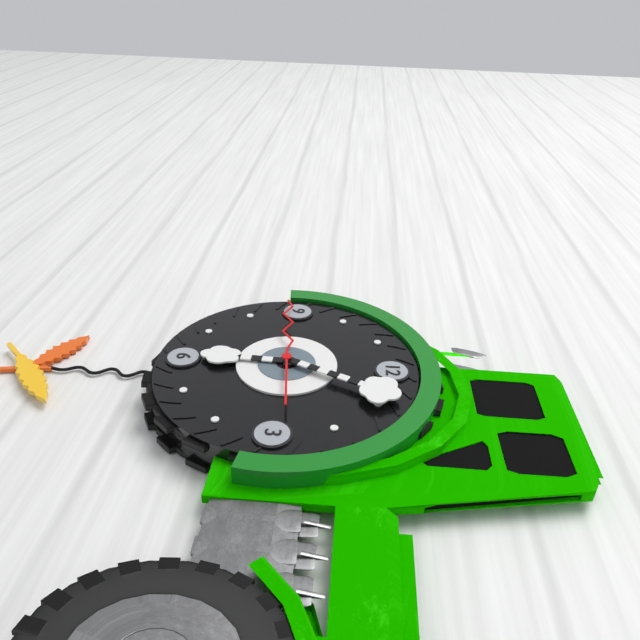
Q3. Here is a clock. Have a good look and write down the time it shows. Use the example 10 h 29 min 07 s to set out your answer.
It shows 6 h 04 min 44 s
